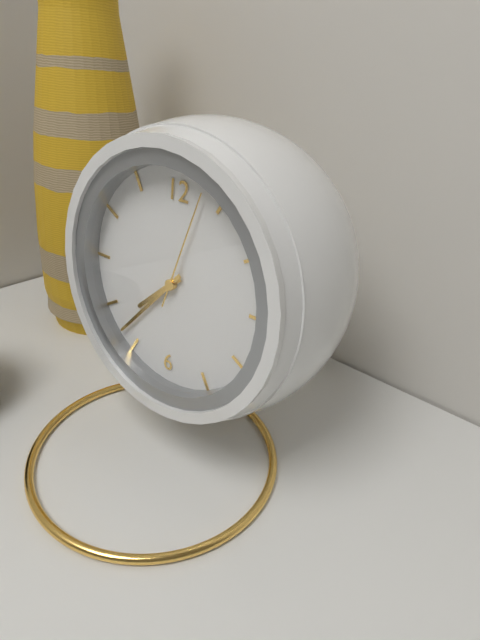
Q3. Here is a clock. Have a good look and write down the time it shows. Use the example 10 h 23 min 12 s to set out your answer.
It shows 7 h 37 min 03 s
